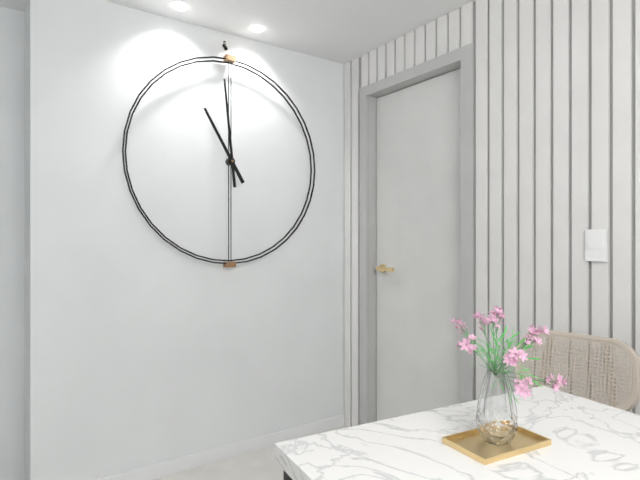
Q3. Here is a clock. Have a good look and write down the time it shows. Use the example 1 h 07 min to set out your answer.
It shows 10 h 59 min
